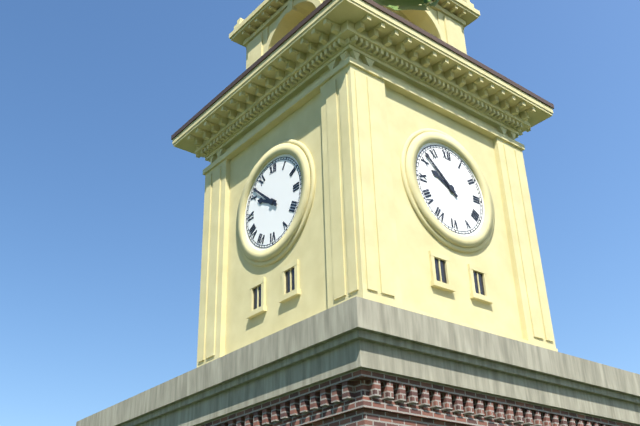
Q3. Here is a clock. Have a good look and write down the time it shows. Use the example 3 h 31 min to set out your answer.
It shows 9 h 52 min
